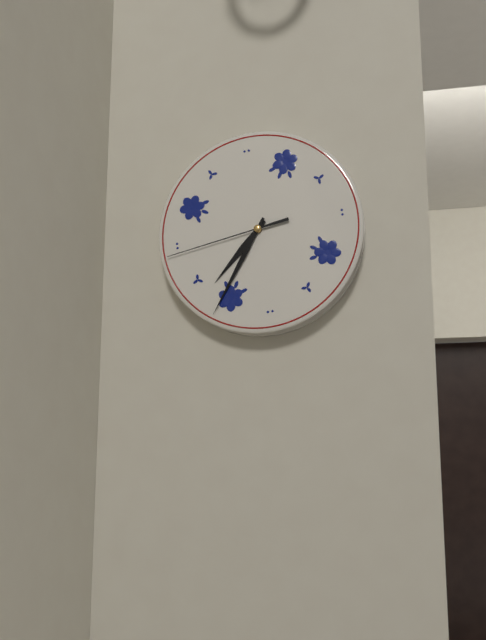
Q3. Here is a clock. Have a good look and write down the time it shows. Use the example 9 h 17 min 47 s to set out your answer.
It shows 7 h 36 min 44 s
